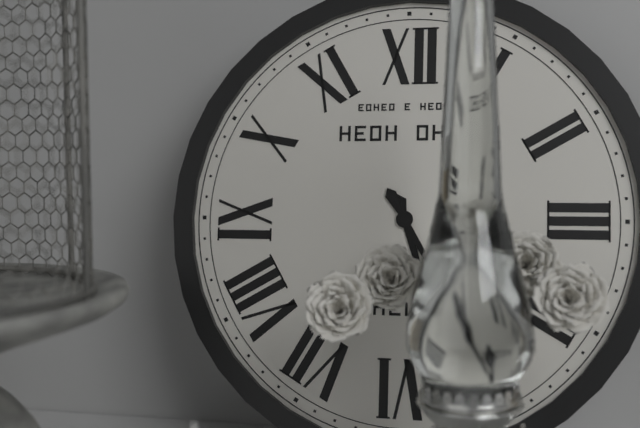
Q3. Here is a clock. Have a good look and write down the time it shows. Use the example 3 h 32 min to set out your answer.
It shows 5 h 25 min
